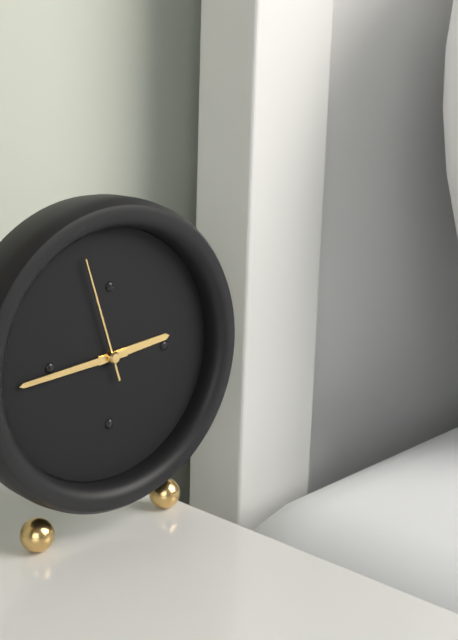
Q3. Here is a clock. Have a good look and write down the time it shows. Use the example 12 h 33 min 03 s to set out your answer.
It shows 2 h 44 min 57 s
